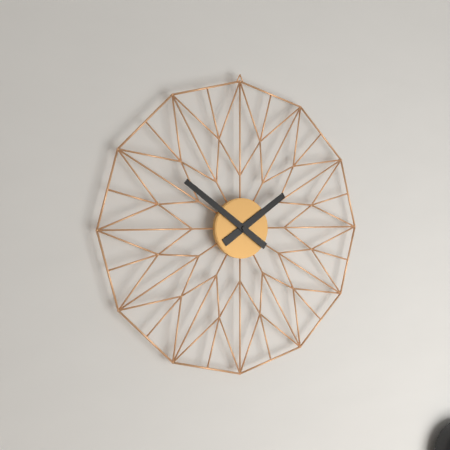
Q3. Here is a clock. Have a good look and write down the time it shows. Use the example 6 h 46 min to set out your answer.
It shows 1 h 51 min
